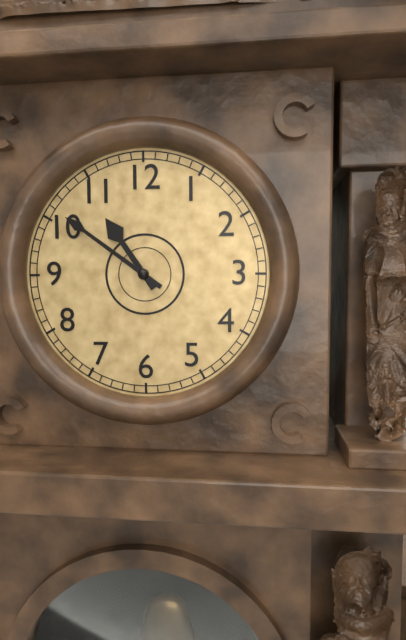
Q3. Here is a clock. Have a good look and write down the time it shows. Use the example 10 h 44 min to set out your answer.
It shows 10 h 51 min
